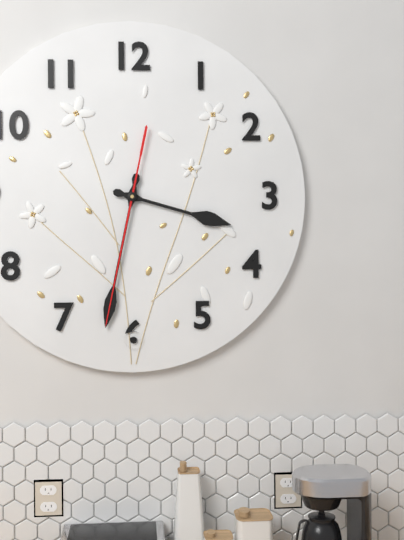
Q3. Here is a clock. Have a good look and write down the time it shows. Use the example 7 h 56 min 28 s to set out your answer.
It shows 3 h 32 min 32 s
